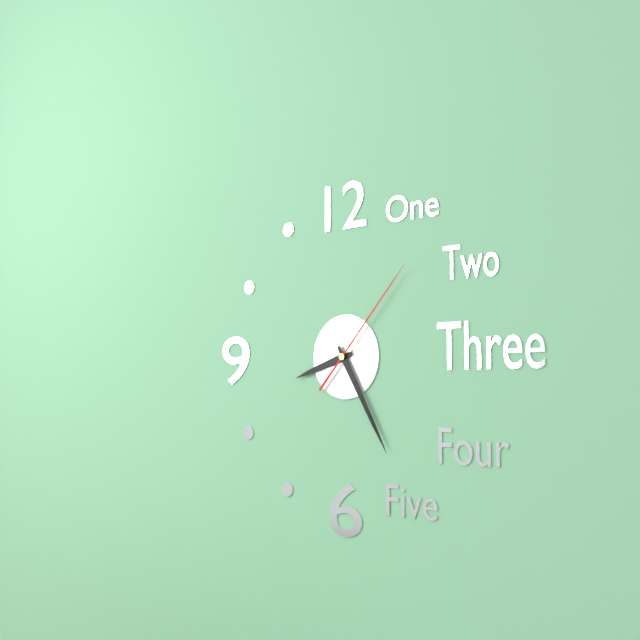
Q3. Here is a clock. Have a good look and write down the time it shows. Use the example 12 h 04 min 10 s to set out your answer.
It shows 8 h 25 min 07 s
